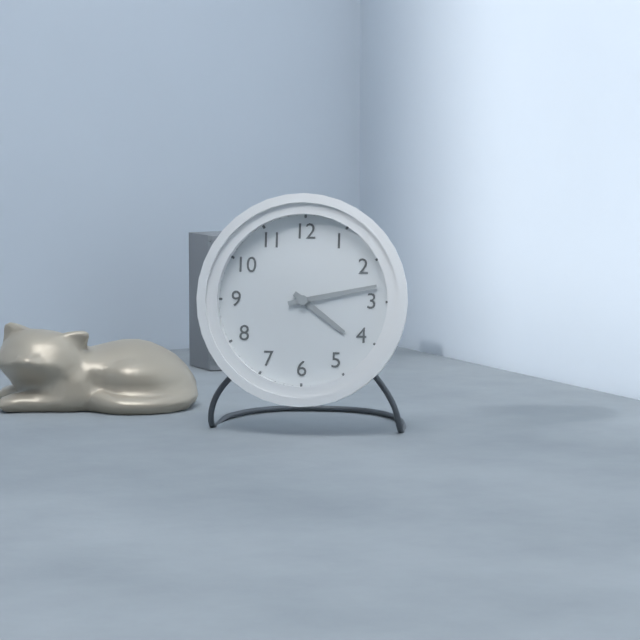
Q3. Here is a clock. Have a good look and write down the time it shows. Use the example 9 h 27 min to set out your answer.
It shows 4 h 13 min
